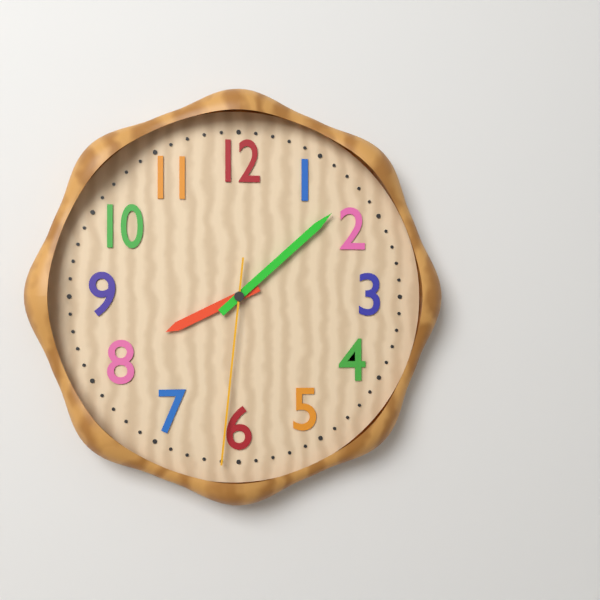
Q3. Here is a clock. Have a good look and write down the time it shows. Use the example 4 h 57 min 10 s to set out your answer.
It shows 8 h 08 min 31 s
